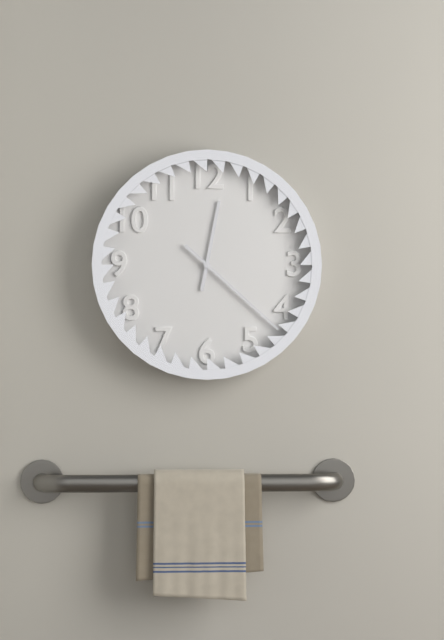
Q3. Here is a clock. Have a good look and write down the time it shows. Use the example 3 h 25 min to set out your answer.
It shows 12 h 22 min
